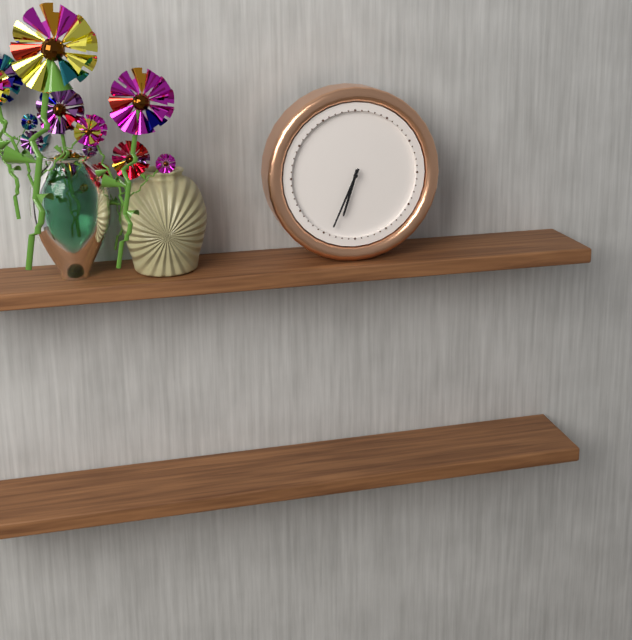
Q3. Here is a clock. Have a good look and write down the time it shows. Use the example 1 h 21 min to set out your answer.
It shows 6 h 34 min
